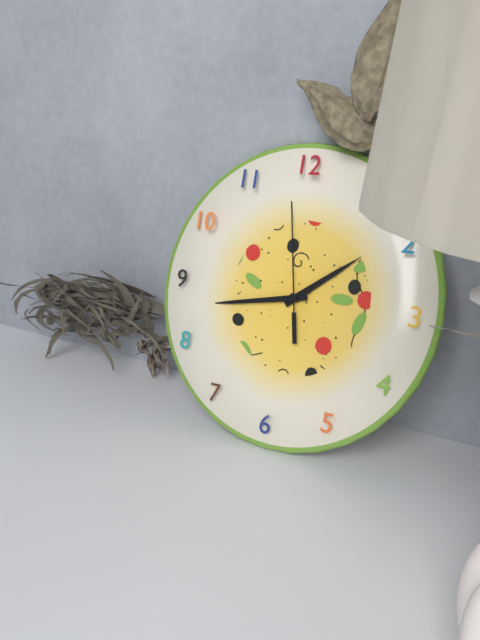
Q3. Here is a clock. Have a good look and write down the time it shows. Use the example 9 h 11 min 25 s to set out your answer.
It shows 1 h 43 min 58 s
